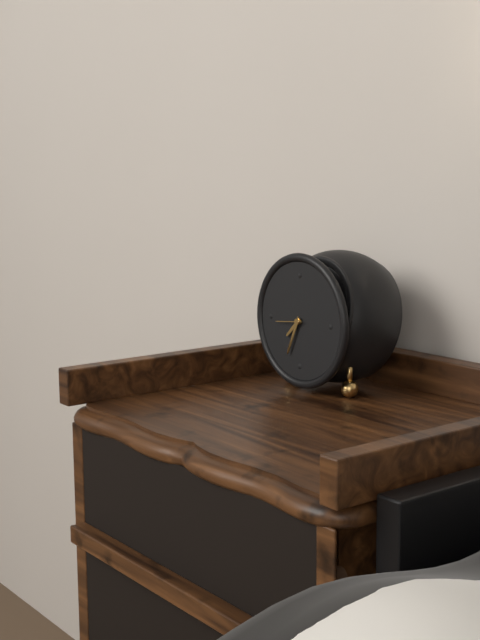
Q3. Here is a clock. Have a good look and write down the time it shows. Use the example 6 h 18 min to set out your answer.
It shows 7 h 34 min
